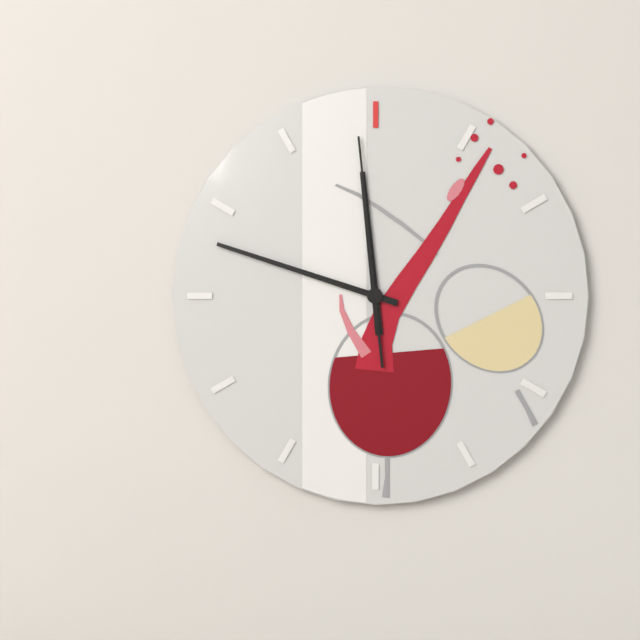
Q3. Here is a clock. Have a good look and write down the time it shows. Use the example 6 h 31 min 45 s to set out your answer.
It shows 11 h 48 min 59 s
